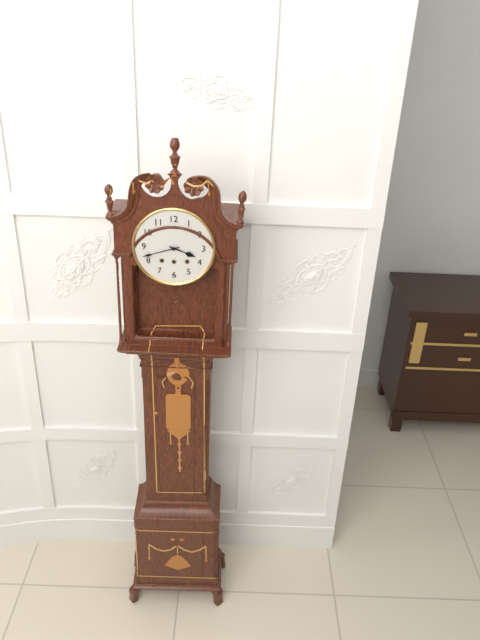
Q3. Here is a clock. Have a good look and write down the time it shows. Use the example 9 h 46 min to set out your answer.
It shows 3 h 42 min
